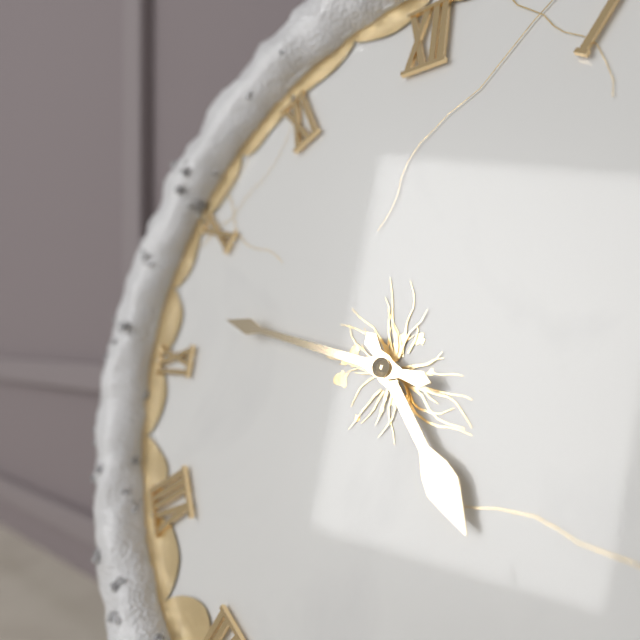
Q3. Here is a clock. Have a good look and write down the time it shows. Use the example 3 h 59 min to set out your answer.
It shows 4 h 47 min
